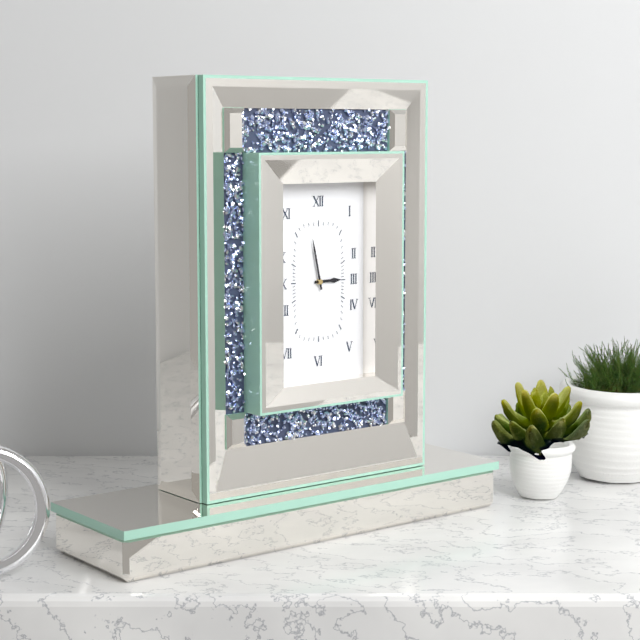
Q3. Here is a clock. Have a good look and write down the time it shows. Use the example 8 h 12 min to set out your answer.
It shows 2 h 58 min
